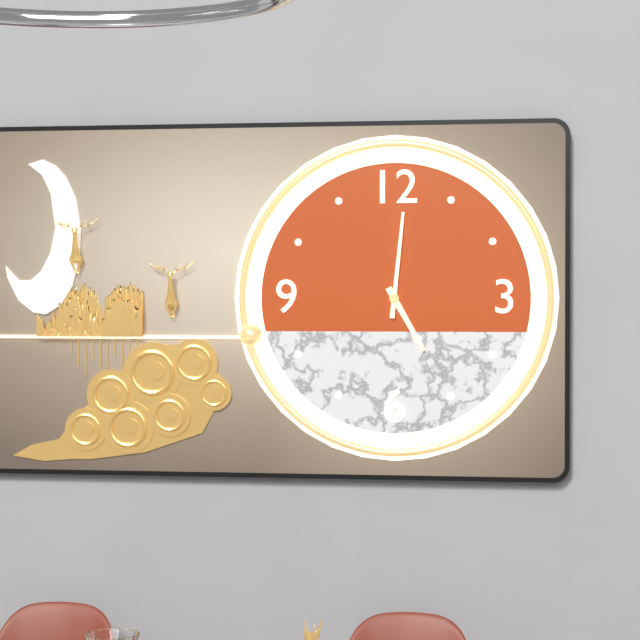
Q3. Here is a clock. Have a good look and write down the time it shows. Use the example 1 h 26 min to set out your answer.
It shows 5 h 01 min
